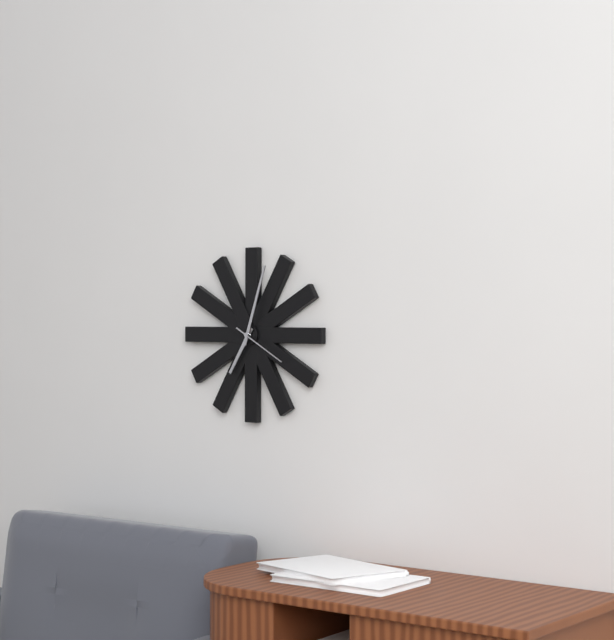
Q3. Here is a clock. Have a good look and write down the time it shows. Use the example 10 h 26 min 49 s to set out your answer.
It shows 7 h 03 min 20 s
